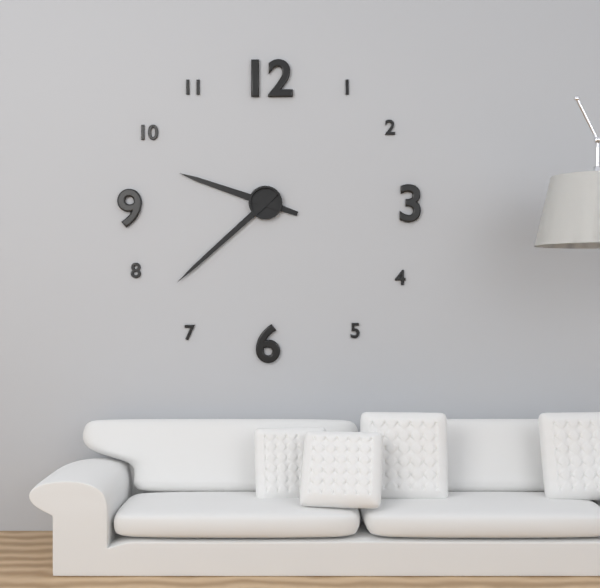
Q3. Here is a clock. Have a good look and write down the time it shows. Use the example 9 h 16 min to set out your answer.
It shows 9 h 38 min
